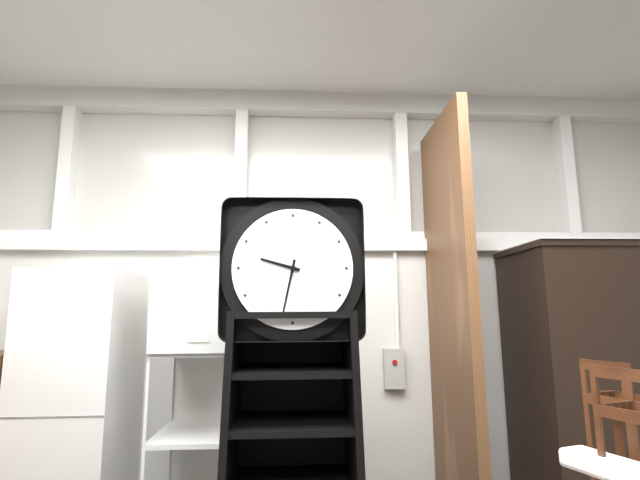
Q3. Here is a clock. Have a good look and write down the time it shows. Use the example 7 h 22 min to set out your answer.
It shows 9 h 32 min
